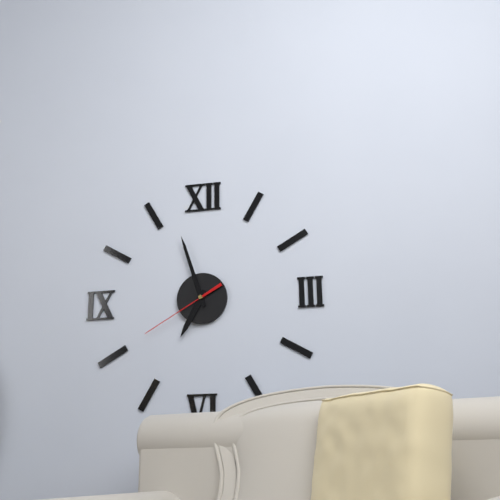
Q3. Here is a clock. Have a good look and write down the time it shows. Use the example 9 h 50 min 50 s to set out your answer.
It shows 6 h 57 min 40 s
